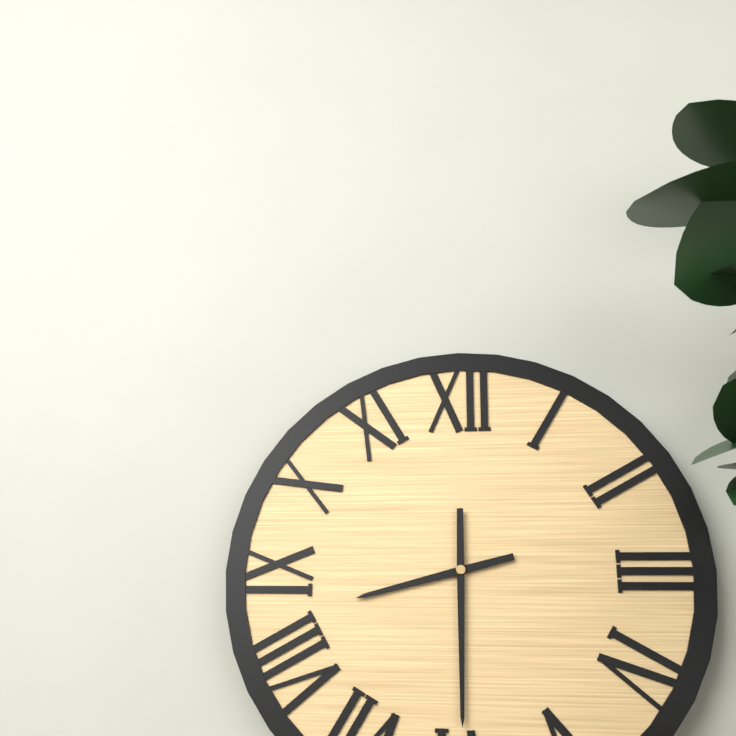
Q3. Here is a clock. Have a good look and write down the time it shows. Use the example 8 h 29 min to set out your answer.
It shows 8 h 30 min
